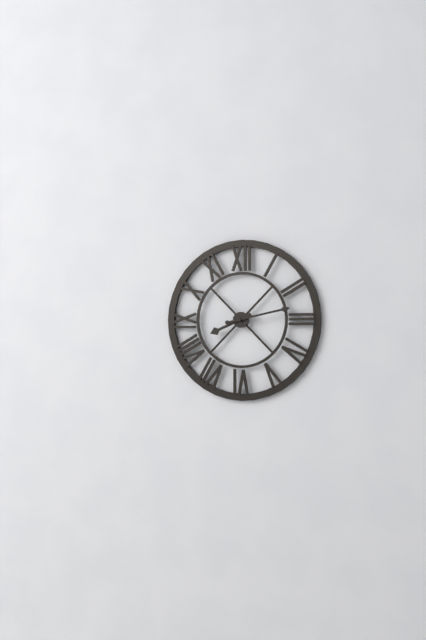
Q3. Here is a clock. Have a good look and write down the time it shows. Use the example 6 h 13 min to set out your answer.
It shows 8 h 13 min
